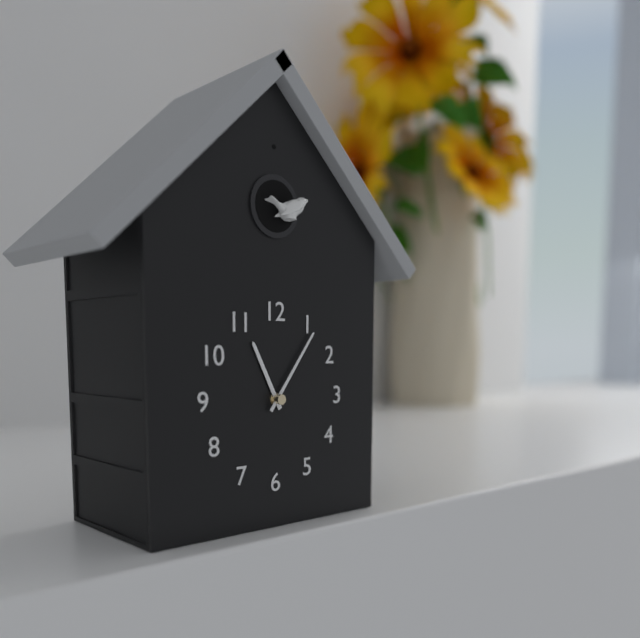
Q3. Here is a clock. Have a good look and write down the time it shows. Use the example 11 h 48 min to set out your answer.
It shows 11 h 06 min
